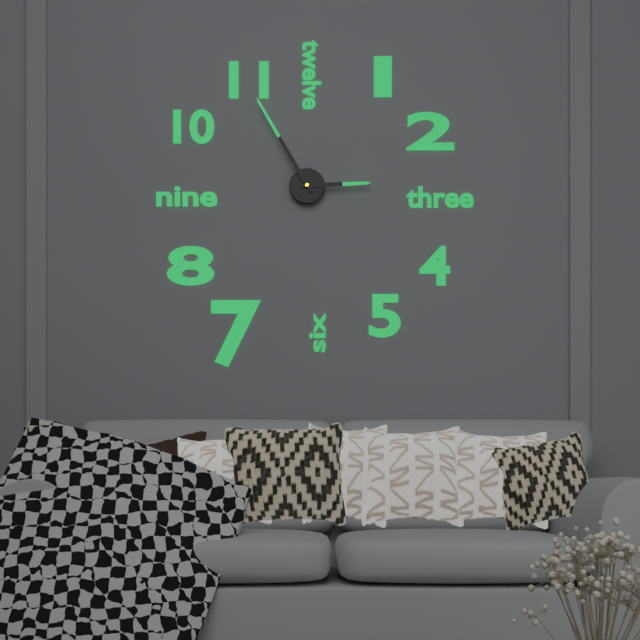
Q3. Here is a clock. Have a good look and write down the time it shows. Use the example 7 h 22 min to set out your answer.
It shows 2 h 55 min
